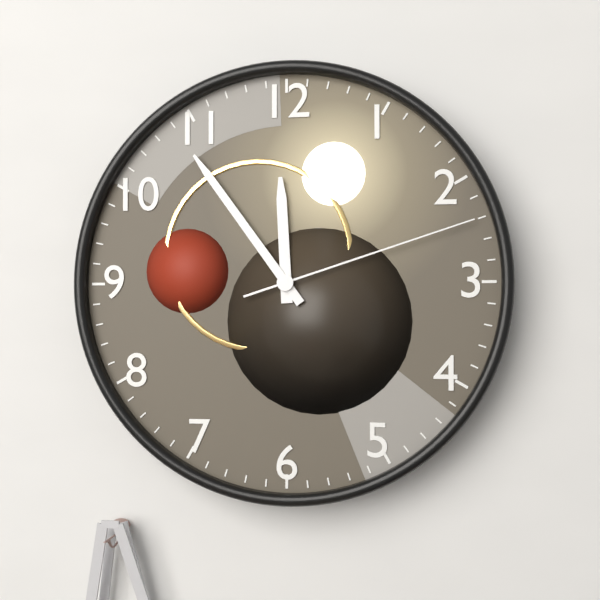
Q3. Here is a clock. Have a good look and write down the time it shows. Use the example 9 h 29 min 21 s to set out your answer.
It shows 11 h 54 min 12 s
